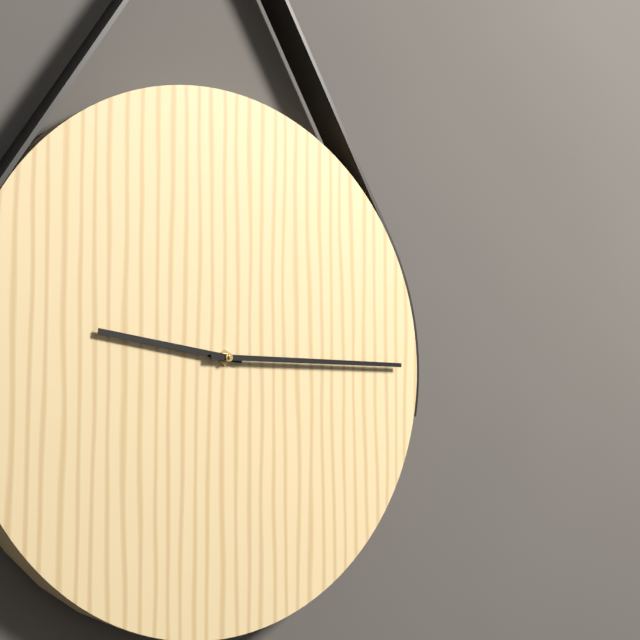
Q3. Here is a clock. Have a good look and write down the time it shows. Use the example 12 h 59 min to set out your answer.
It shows 9 h 15 min
